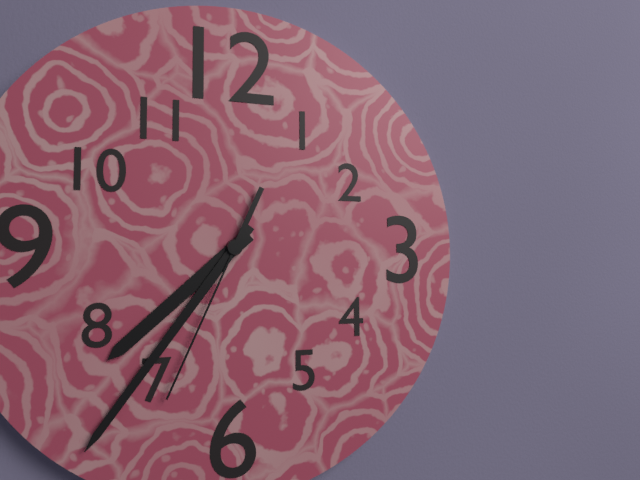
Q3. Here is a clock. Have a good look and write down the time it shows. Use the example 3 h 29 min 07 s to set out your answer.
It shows 7 h 36 min 34 s
